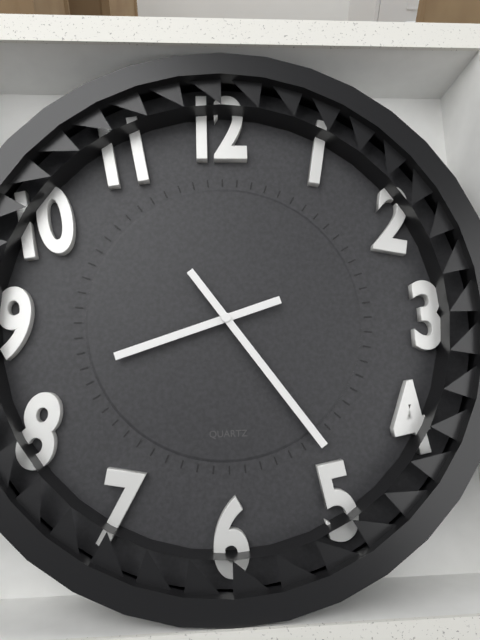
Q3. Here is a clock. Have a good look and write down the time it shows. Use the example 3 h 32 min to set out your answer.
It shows 8 h 24 min
